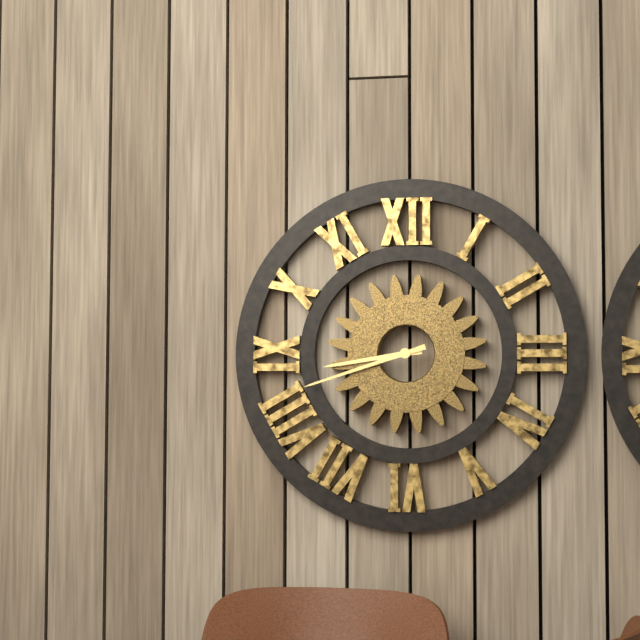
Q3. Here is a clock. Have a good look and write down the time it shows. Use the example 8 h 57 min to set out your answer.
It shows 8 h 42 min
